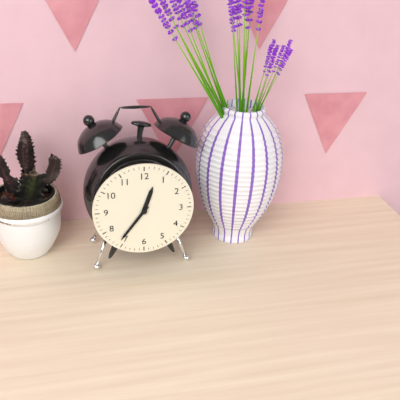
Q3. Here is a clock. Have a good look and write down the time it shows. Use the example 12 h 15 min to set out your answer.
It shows 12 h 36 min
